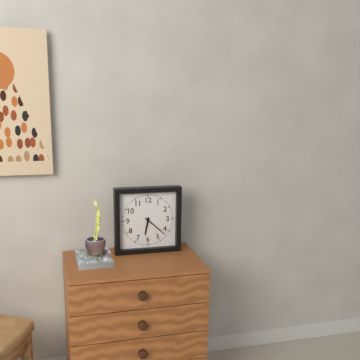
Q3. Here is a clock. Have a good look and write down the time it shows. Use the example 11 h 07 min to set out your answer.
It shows 6 h 22 min
